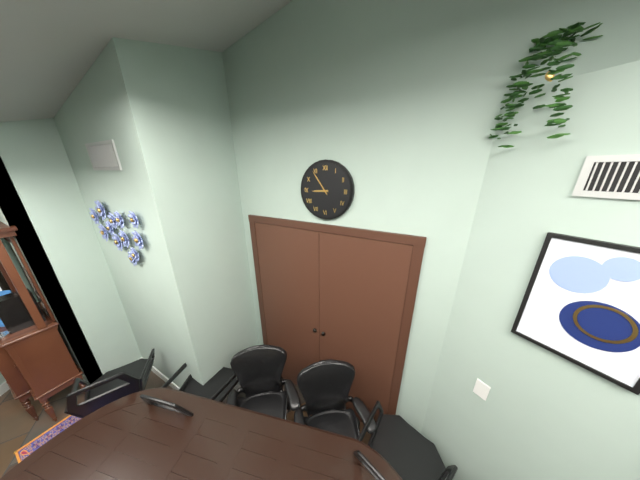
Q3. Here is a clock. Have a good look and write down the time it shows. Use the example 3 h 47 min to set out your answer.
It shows 8 h 54 min
